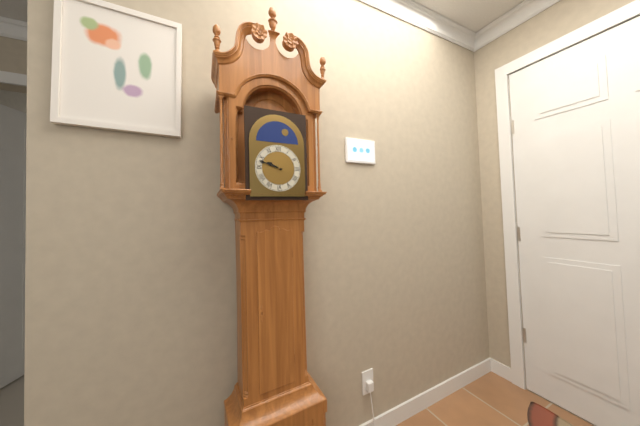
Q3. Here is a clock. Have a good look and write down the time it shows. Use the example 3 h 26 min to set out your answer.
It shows 9 h 48 min
